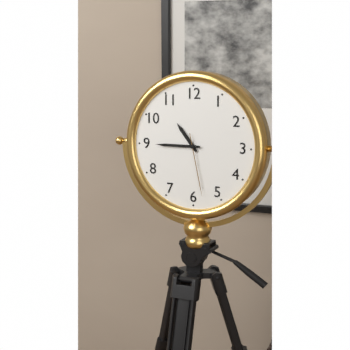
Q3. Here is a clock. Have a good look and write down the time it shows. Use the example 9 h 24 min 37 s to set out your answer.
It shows 10 h 45 min 28 s
